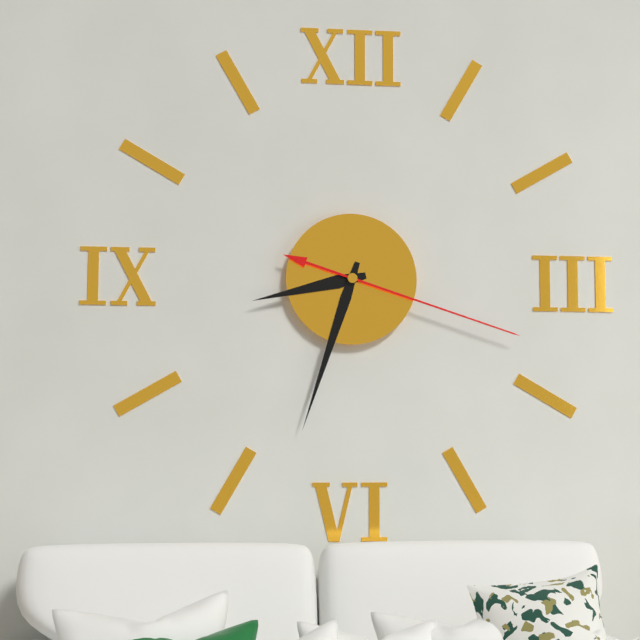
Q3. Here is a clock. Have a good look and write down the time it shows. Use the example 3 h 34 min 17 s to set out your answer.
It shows 8 h 33 min 18 s
